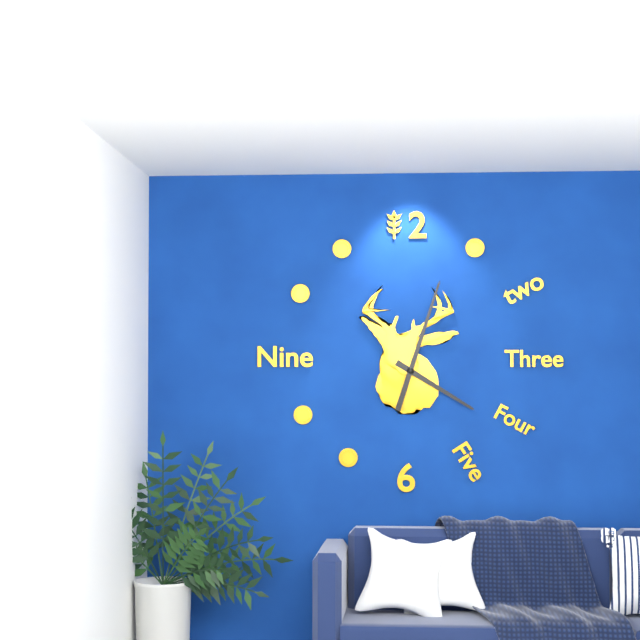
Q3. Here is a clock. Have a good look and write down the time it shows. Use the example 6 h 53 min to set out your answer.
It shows 4 h 03 min
